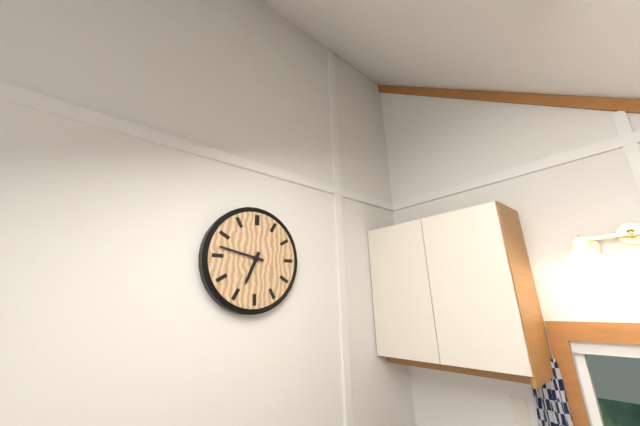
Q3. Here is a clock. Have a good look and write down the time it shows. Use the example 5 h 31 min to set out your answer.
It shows 6 h 47 min
